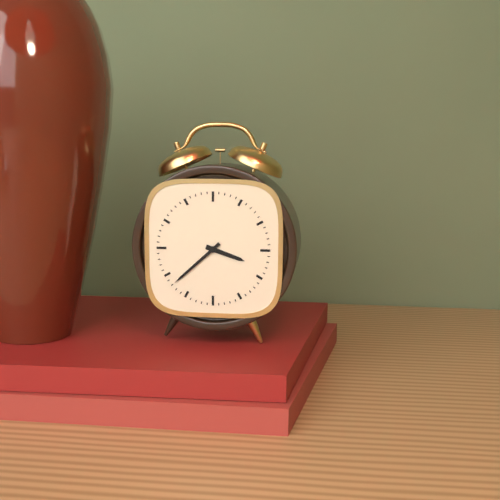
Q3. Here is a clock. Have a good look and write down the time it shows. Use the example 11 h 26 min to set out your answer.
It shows 3 h 38 min
